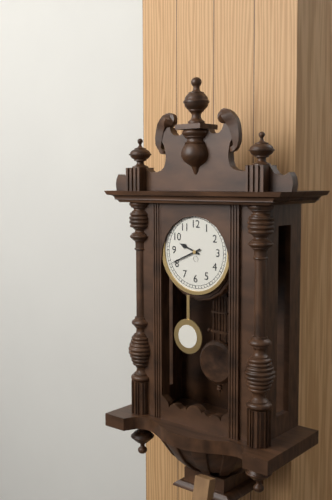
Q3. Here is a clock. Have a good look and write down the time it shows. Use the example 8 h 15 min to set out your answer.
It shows 9 h 41 min
